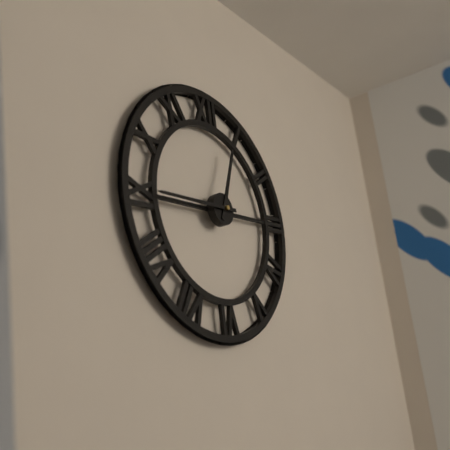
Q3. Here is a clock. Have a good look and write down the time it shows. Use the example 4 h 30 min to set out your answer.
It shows 12 h 45 min
